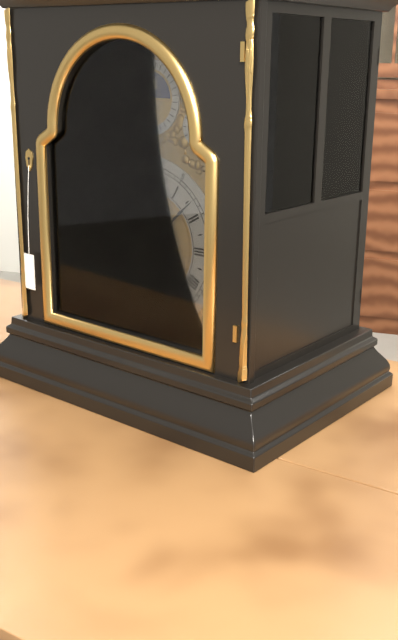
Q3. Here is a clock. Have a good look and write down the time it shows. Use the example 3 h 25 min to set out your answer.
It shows 5 h 08 min
